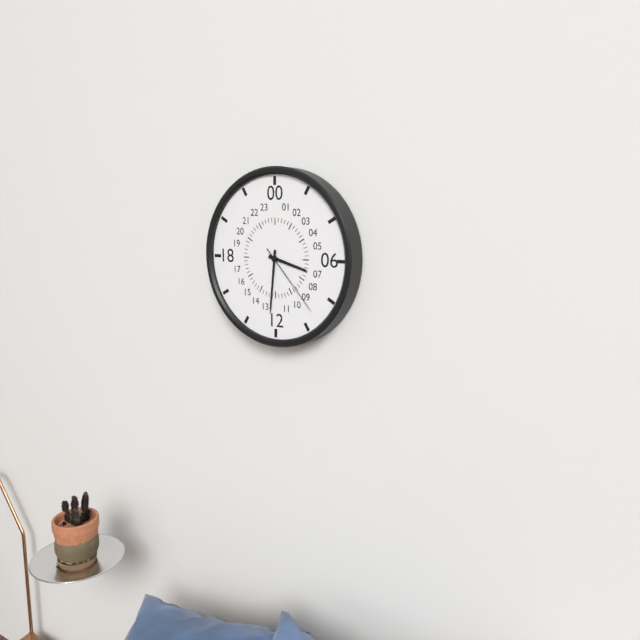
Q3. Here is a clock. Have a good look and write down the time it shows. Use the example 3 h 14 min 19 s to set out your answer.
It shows 3 h 31 min 23 s
